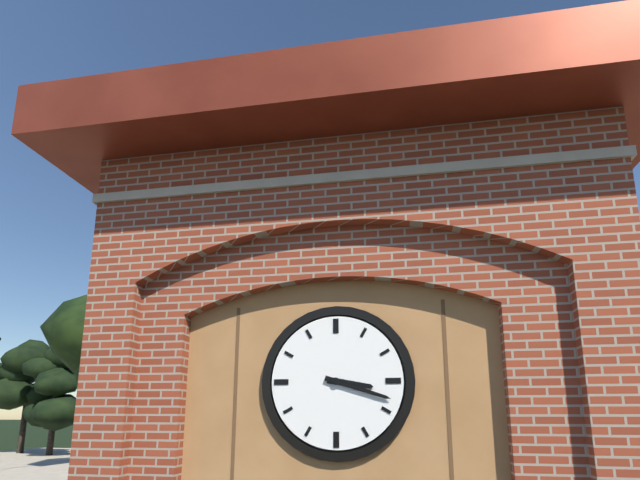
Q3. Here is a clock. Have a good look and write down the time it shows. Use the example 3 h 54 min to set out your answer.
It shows 3 h 18 min
